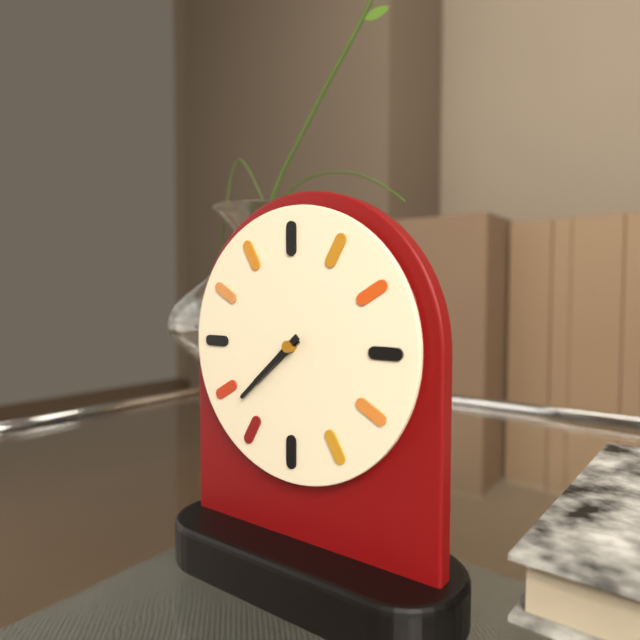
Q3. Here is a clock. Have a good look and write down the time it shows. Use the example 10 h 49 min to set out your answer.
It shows 7 h 38 min
